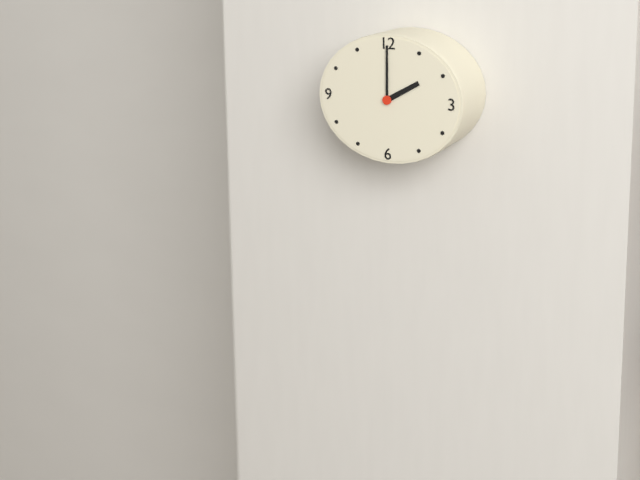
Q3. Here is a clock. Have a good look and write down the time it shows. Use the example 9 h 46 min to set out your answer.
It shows 2 h 00 min
